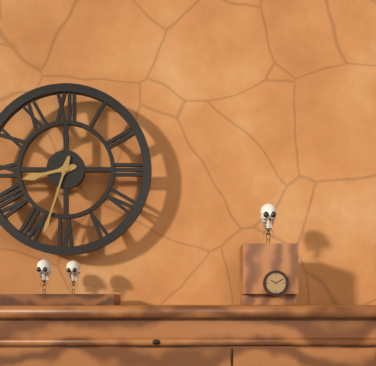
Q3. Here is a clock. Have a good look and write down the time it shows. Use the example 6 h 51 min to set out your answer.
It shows 8 h 33 min
